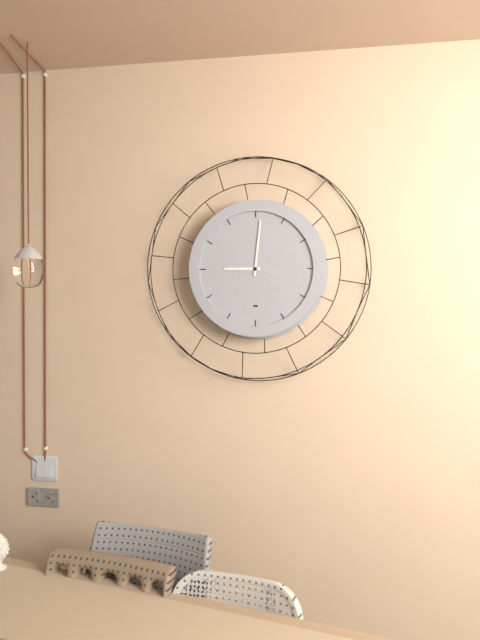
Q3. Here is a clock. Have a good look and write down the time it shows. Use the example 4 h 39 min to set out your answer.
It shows 9 h 01 min
